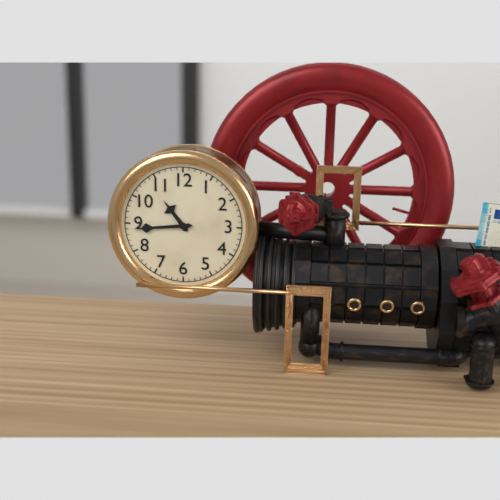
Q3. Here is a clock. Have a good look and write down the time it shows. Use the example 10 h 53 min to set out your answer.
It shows 10 h 44 min
